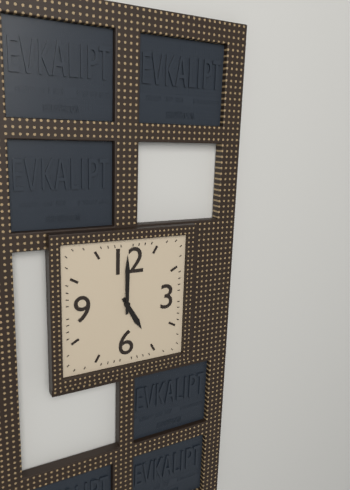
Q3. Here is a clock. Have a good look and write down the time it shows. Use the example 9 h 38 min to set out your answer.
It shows 5 h 00 min
